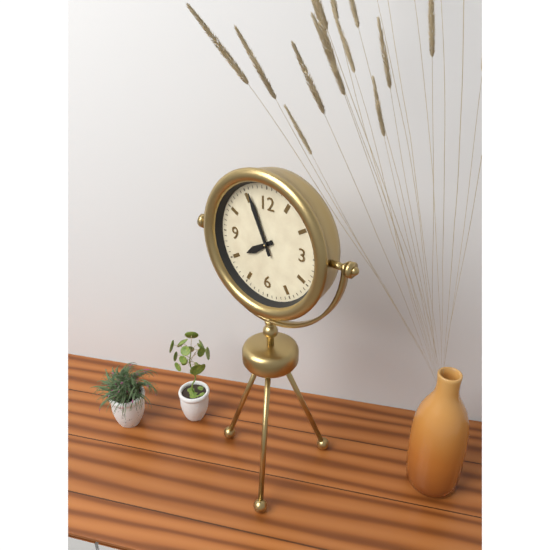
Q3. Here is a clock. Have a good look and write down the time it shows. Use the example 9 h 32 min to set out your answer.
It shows 7 h 56 min
